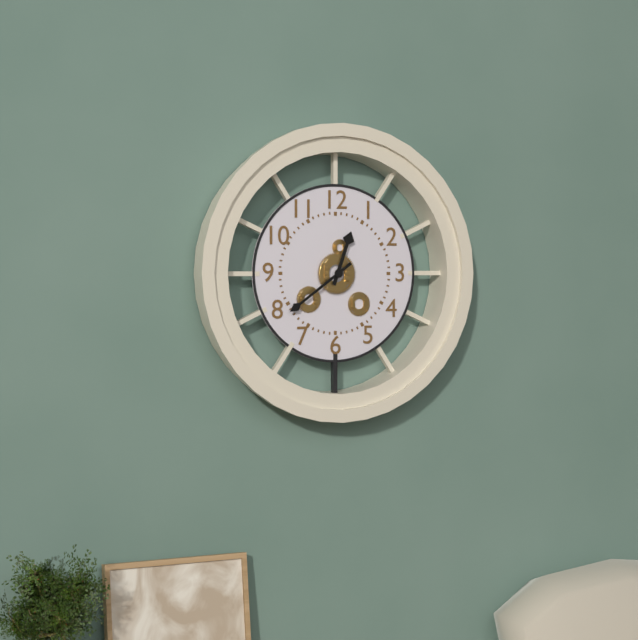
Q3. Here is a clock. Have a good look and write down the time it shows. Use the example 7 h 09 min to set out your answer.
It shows 12 h 39 min
